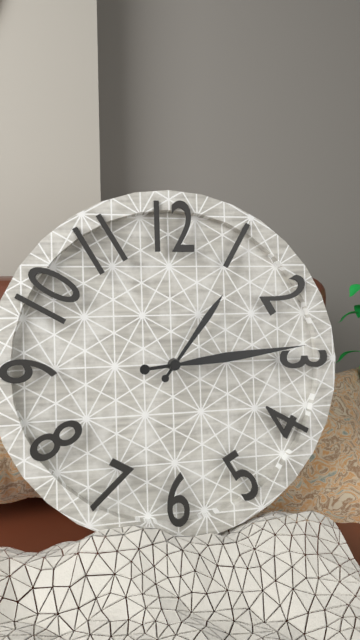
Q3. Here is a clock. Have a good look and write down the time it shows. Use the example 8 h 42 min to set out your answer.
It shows 1 h 14 min
